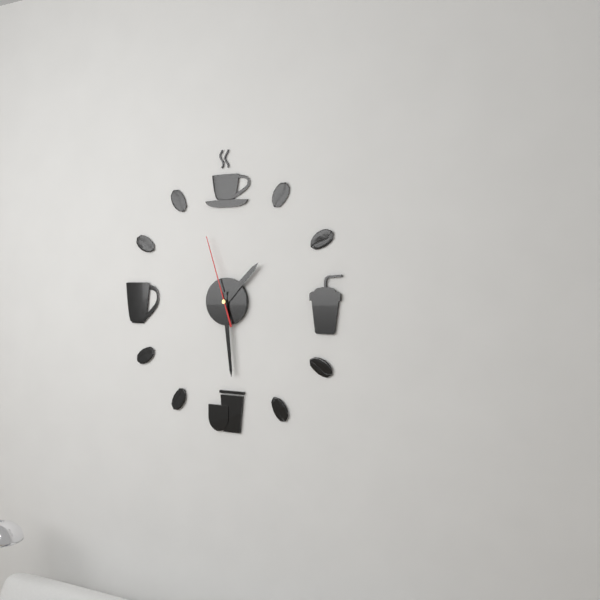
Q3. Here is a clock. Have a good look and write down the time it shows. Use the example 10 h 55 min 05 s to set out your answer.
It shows 1 h 29 min 57 s
